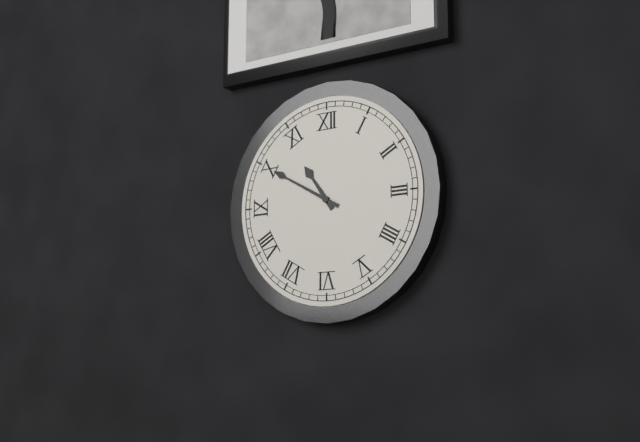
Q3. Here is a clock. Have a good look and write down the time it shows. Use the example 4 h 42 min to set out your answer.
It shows 10 h 50 min
